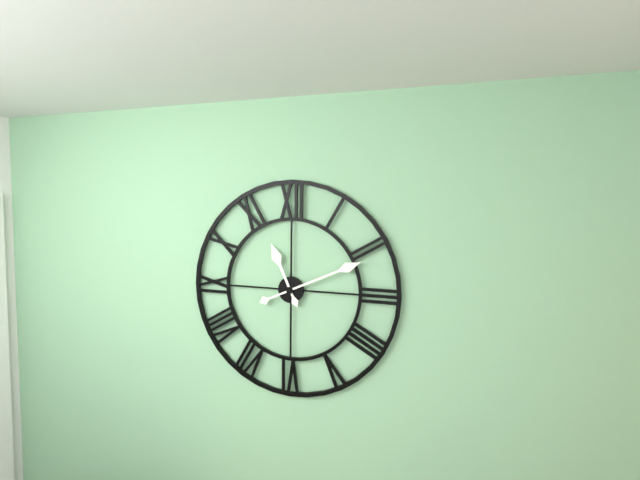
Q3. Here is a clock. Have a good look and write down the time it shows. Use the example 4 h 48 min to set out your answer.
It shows 11 h 11 min
